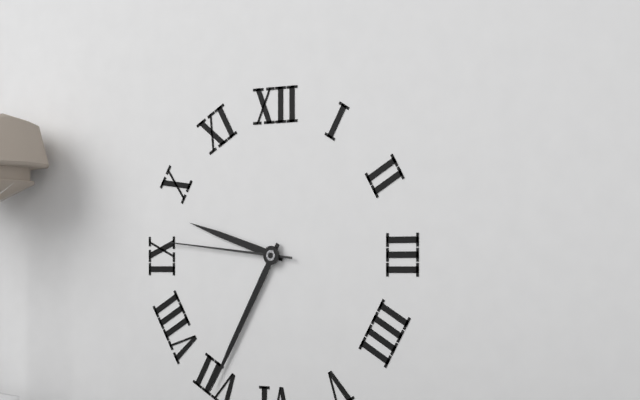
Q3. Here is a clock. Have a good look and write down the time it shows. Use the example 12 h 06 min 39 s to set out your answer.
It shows 9 h 35 min 46 s
